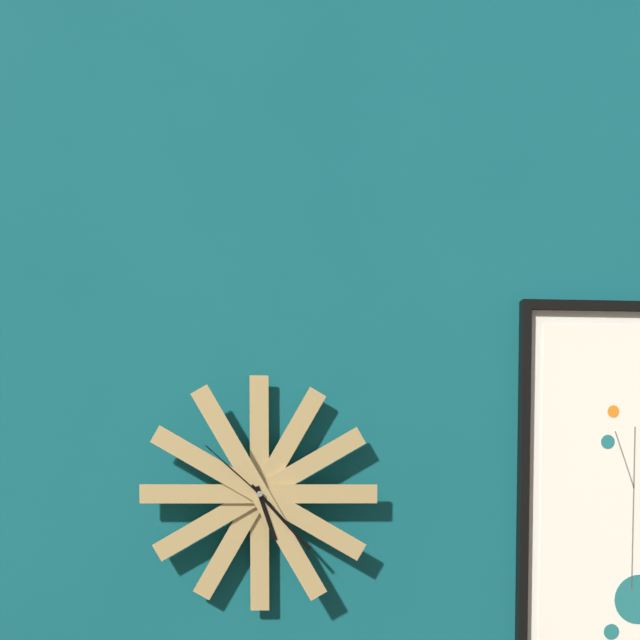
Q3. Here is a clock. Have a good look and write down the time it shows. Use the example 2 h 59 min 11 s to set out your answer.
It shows 5 h 23 min 52 s
